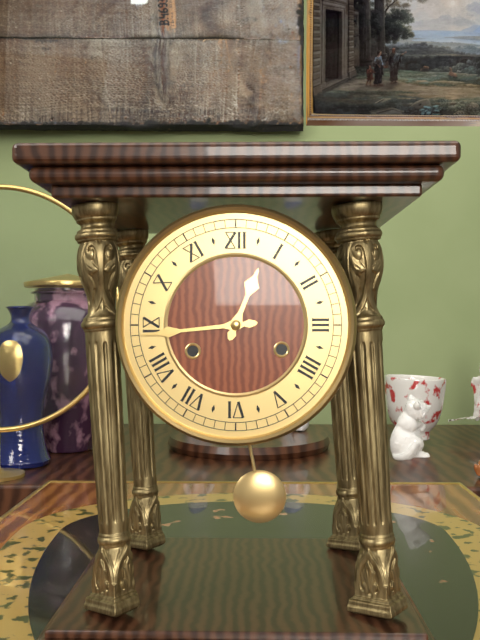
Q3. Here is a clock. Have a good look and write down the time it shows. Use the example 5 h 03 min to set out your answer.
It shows 12 h 44 min
